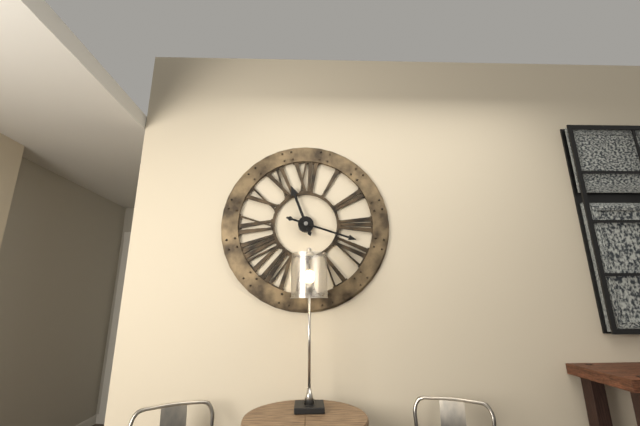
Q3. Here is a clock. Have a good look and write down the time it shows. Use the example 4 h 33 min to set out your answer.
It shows 11 h 18 min
